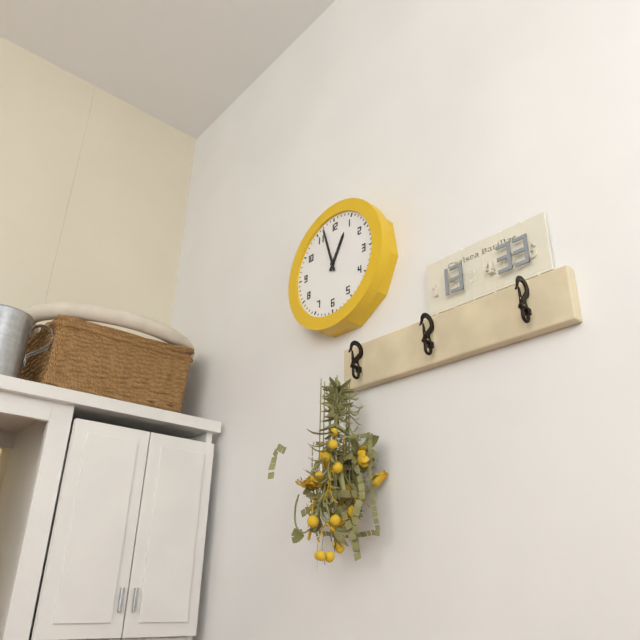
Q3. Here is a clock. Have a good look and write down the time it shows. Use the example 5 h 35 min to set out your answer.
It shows 12 h 57 min
